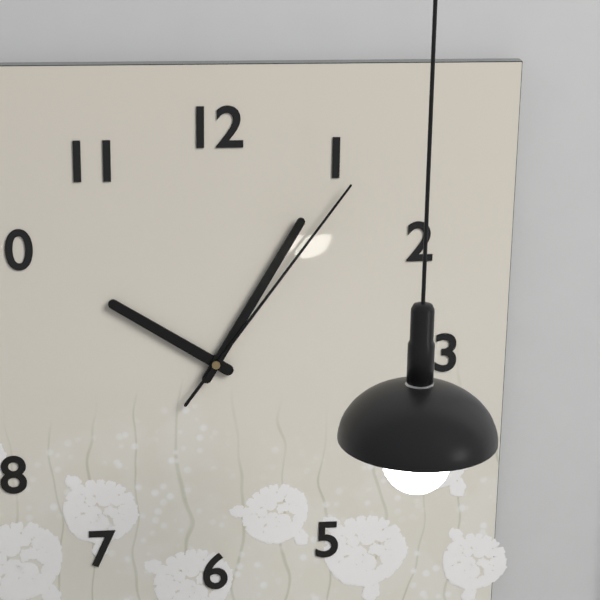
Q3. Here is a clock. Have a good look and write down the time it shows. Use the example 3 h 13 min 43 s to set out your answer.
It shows 10 h 05 min 06 s
